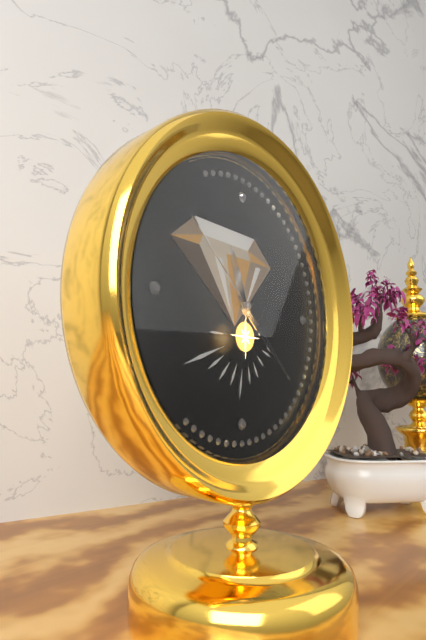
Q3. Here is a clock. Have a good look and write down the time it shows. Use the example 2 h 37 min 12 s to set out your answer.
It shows 11 h 22 min 52 s
